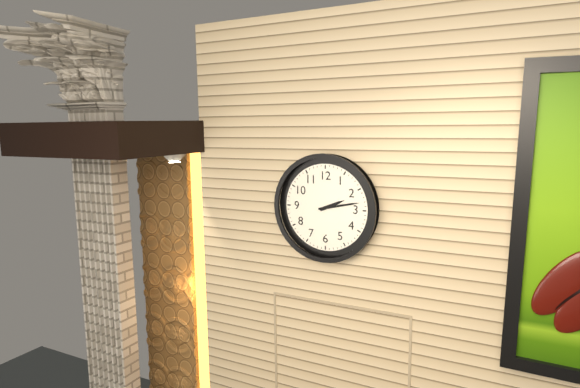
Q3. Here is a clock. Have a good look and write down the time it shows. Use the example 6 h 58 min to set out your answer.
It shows 2 h 13 min
